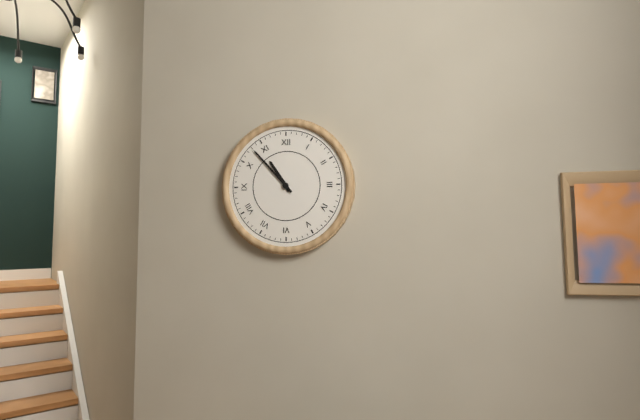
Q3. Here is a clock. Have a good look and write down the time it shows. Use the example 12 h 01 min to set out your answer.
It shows 10 h 53 min
